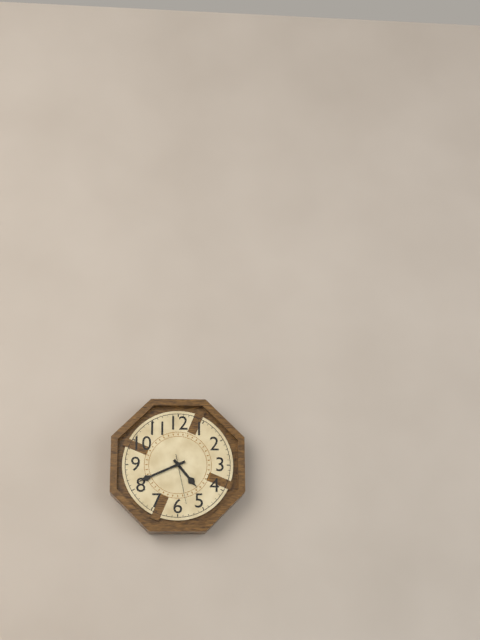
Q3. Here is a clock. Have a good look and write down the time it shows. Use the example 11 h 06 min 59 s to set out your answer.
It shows 4 h 41 min 28 s
